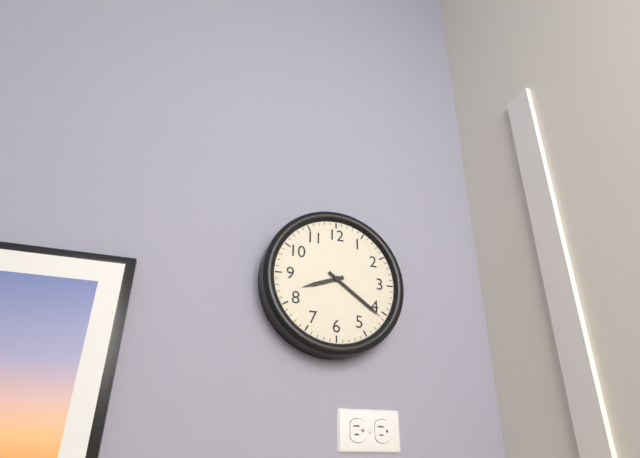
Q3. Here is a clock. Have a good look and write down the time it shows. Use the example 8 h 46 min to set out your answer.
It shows 8 h 21 min
